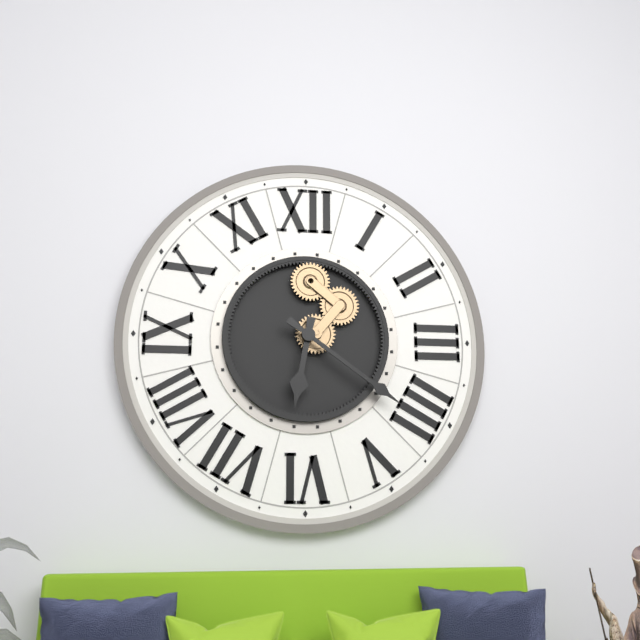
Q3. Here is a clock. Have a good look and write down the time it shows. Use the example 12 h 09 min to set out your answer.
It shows 6 h 21 min
